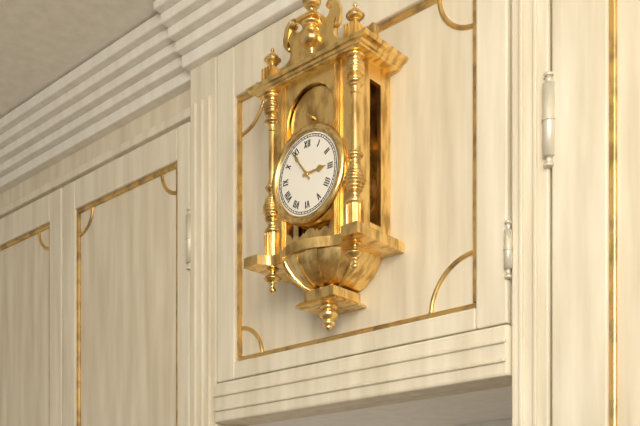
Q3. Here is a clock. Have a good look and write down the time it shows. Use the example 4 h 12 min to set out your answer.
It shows 2 h 54 min
